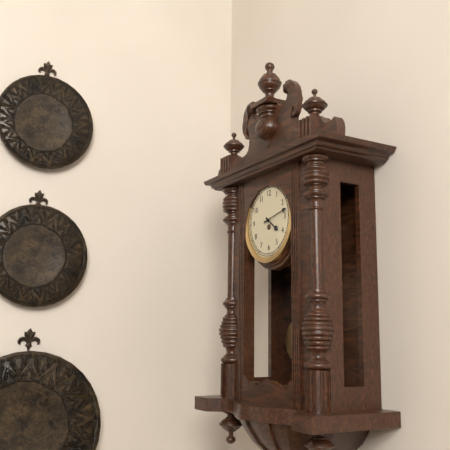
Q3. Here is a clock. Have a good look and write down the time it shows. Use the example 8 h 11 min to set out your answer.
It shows 4 h 13 min
